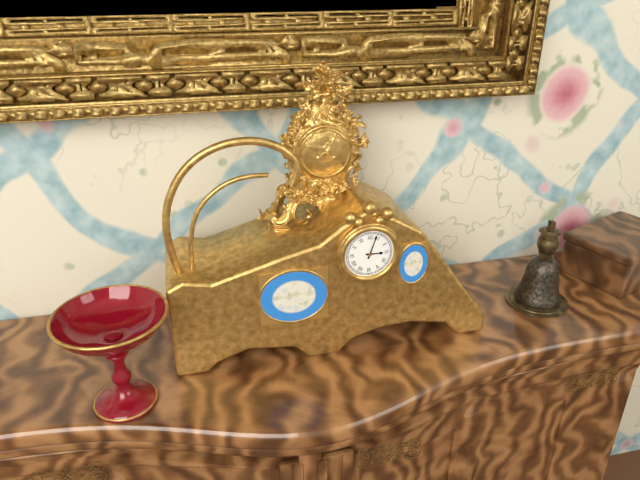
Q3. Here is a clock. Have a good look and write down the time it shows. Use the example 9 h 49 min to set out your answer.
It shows 3 h 03 min
